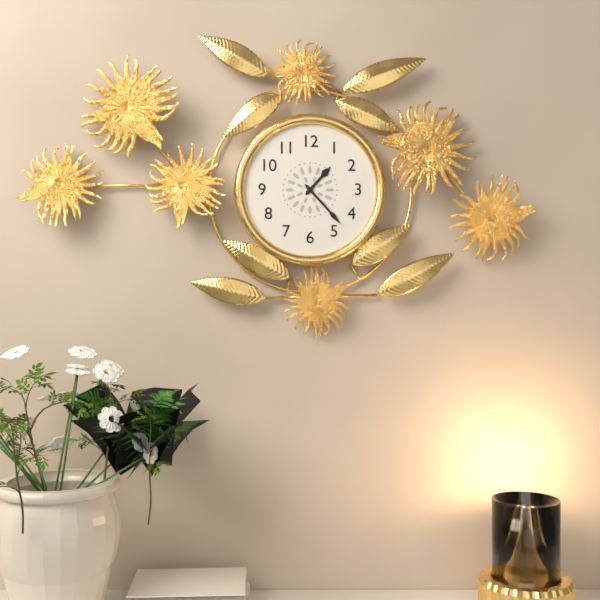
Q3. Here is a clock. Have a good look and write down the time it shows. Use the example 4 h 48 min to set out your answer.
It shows 1 h 23 min
